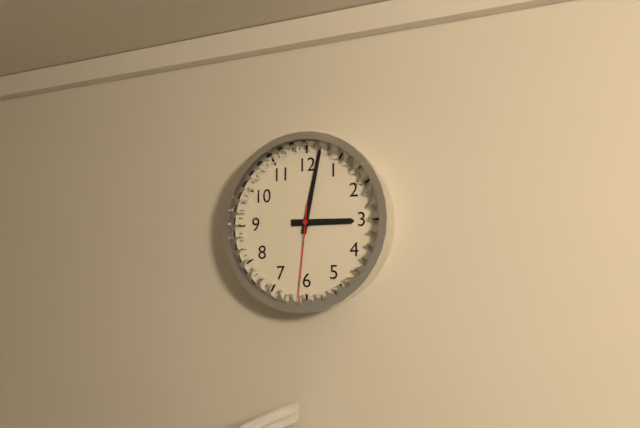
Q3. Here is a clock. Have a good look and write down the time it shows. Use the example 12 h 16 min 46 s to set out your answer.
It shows 3 h 02 min 31 s
